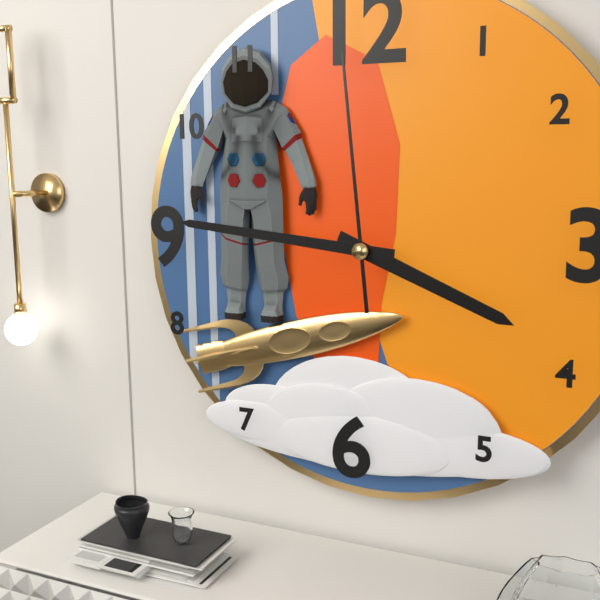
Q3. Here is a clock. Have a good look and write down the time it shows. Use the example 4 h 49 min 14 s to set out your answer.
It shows 3 h 46 min 59 s
